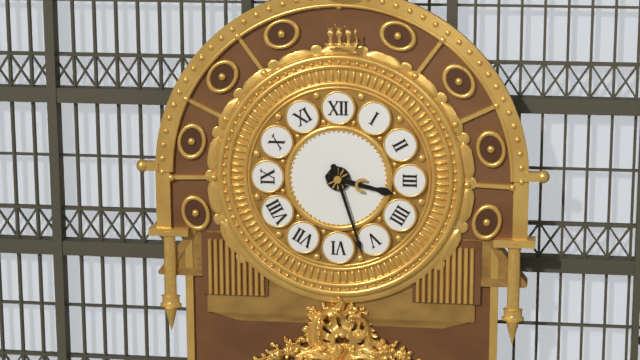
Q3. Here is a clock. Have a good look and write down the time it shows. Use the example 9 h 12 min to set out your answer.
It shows 3 h 27 min
